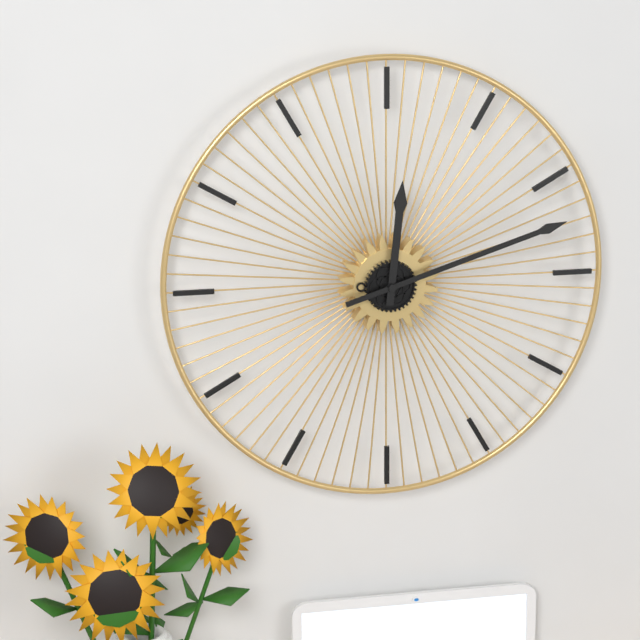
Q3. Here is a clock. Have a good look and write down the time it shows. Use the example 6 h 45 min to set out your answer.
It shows 12 h 12 min
